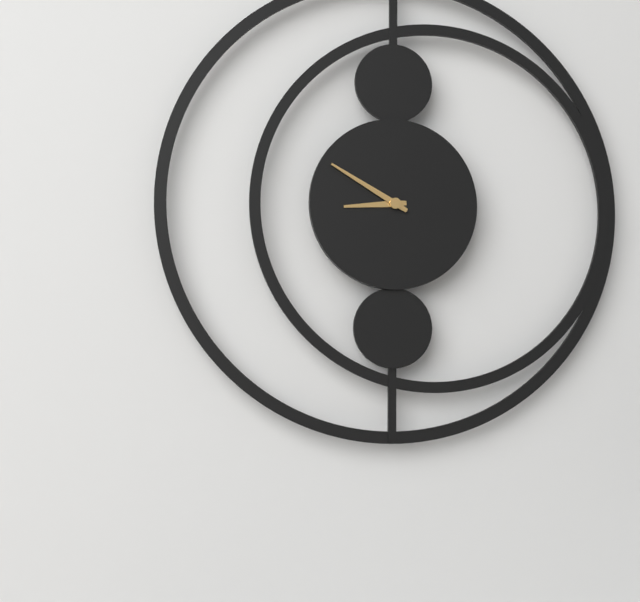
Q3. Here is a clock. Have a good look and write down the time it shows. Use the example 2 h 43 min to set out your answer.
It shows 8 h 50 min
